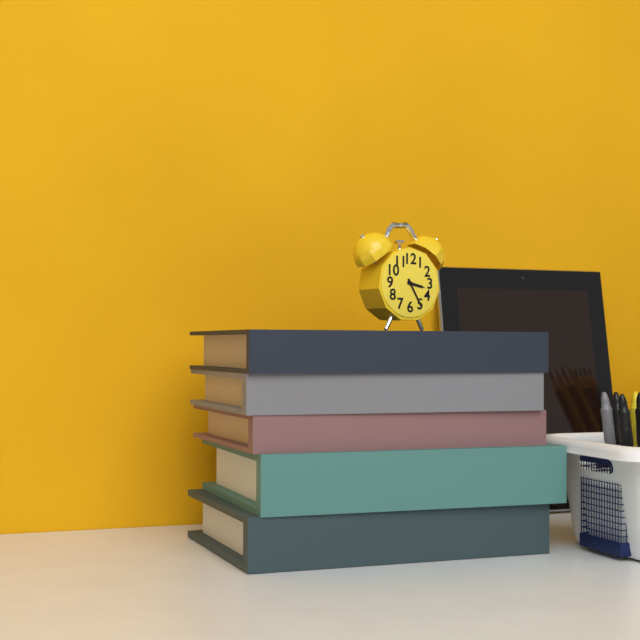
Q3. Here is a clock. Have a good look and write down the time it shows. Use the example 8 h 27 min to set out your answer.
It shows 3 h 25 min
